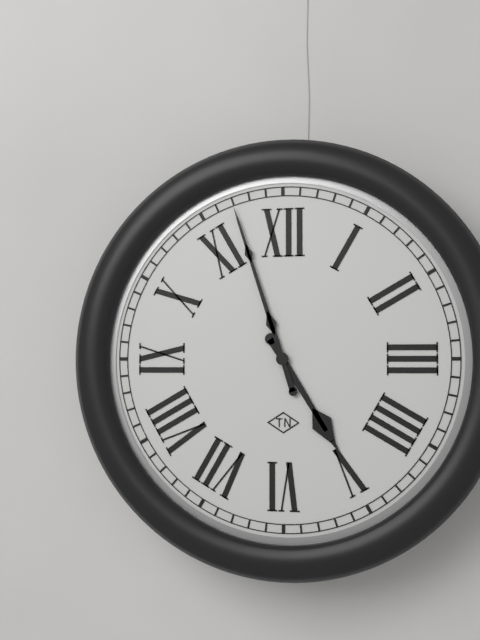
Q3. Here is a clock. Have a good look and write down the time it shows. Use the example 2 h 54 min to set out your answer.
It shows 4 h 57 min
